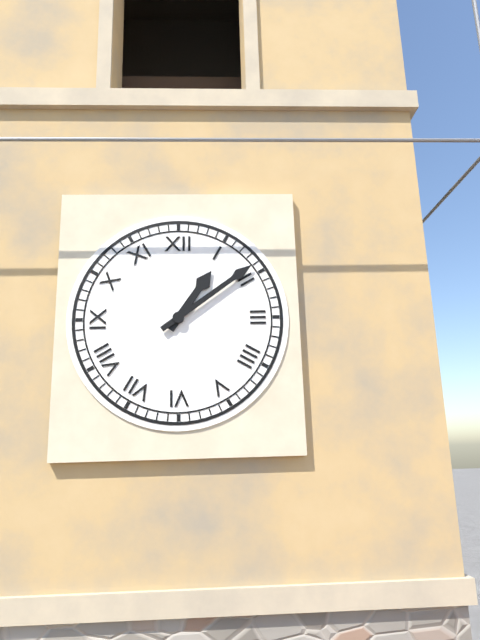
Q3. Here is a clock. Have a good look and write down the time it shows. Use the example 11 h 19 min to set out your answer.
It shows 1 h 09 min
